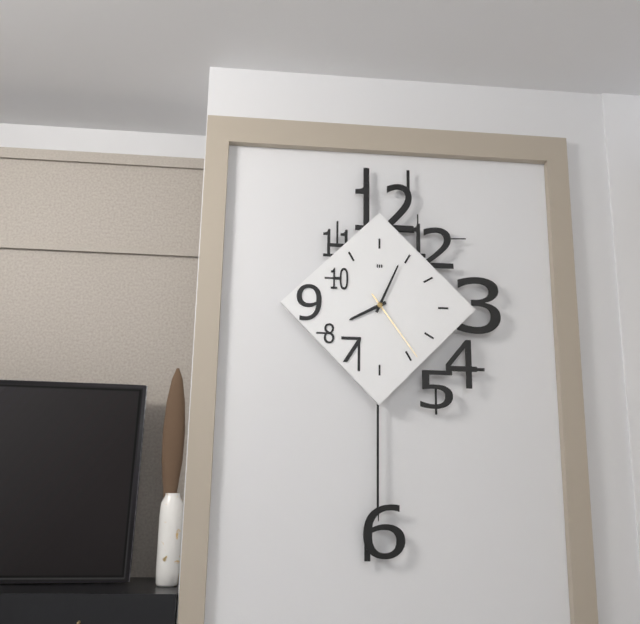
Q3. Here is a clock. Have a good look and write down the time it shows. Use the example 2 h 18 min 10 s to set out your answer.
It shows 8 h 04 min 24 s
